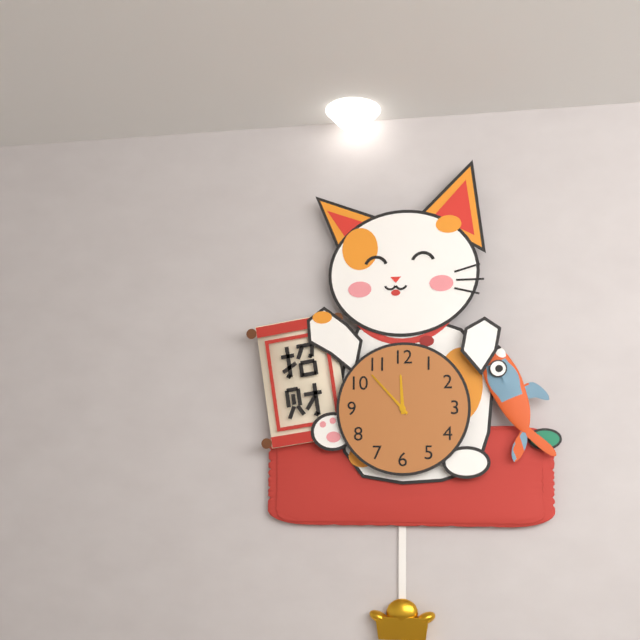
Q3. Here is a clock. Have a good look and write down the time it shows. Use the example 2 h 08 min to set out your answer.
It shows 11 h 53 min
